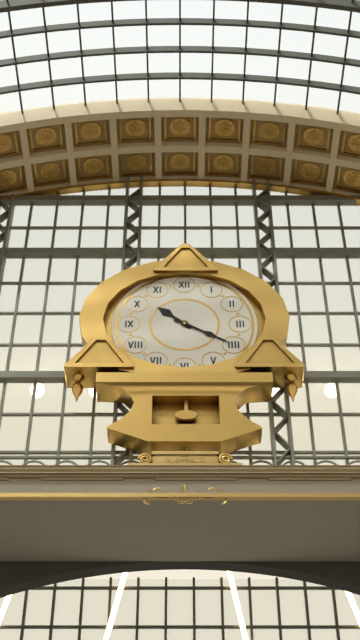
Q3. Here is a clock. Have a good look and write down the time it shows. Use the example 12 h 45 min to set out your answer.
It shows 10 h 20 min
